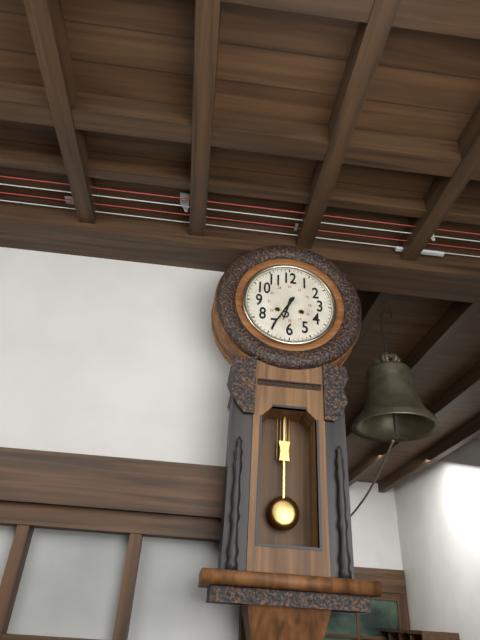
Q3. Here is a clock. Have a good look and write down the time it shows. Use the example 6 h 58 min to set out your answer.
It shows 6 h 35 min
